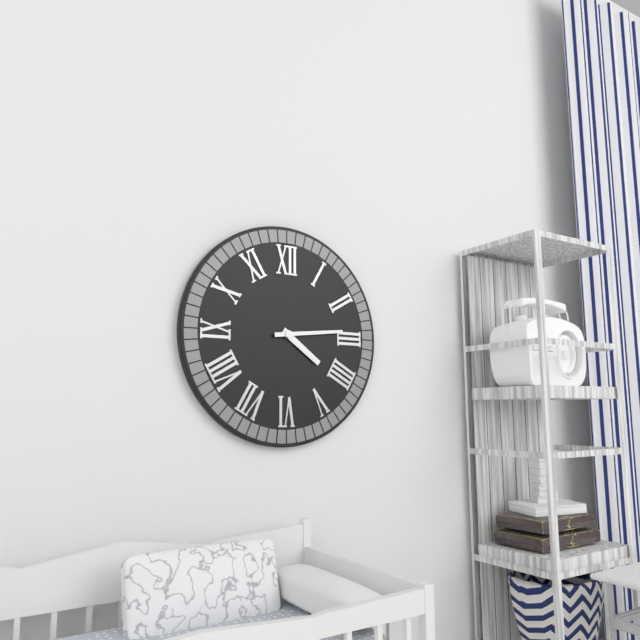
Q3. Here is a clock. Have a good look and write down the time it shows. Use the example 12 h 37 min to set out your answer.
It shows 4 h 14 min
